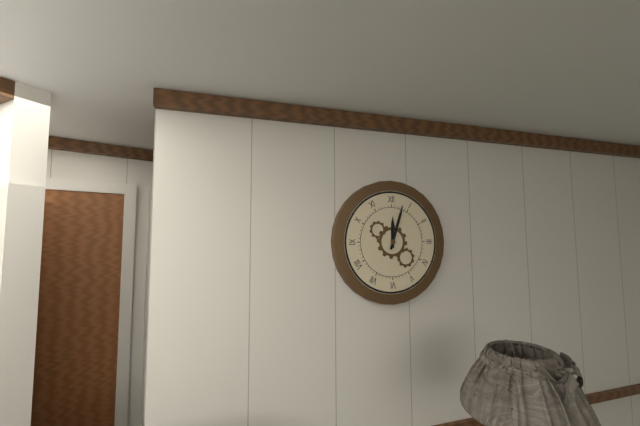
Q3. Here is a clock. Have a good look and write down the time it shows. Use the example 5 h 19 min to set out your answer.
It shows 12 h 03 min
